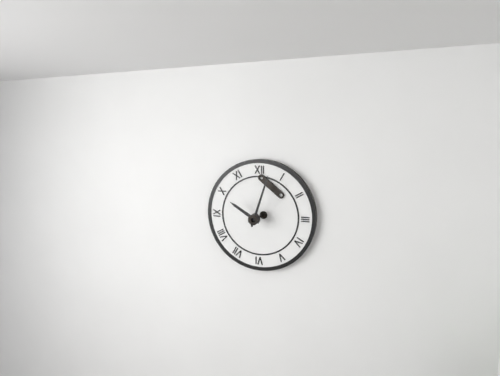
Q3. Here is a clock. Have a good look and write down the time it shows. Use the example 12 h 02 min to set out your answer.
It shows 10 h 03 min
